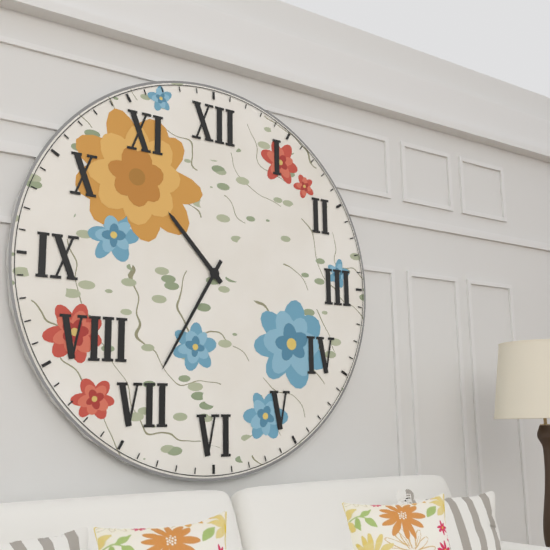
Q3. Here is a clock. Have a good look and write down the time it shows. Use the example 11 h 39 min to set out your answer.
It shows 10 h 35 min
